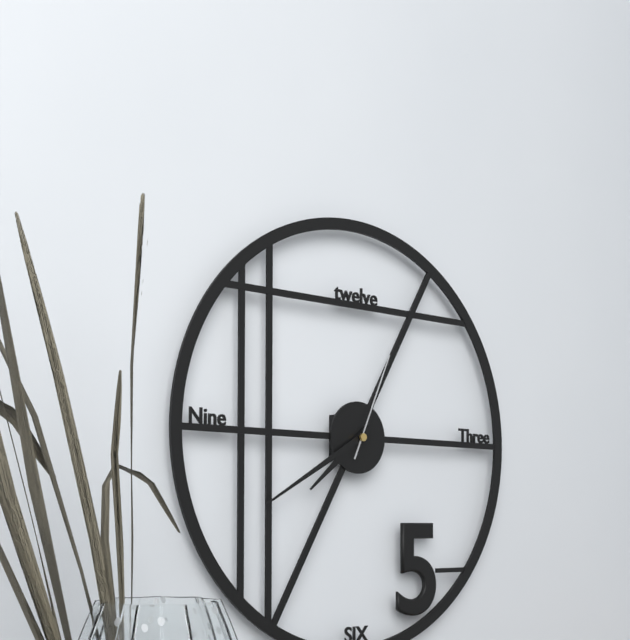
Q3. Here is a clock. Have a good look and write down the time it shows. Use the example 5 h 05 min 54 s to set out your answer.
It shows 7 h 40 min 04 s
